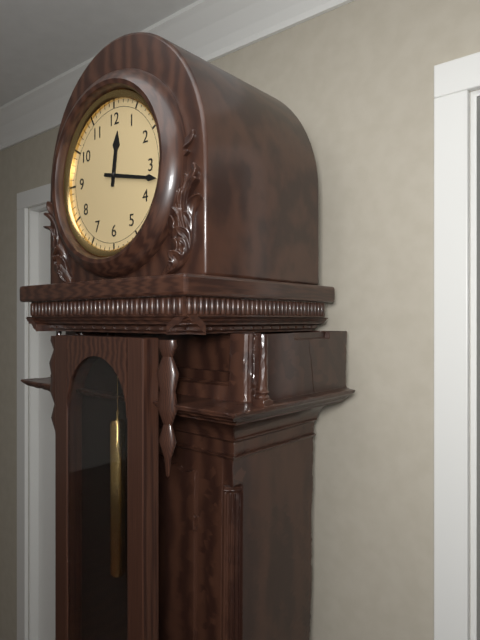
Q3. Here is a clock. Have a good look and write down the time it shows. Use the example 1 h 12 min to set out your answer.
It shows 12 h 17 min
